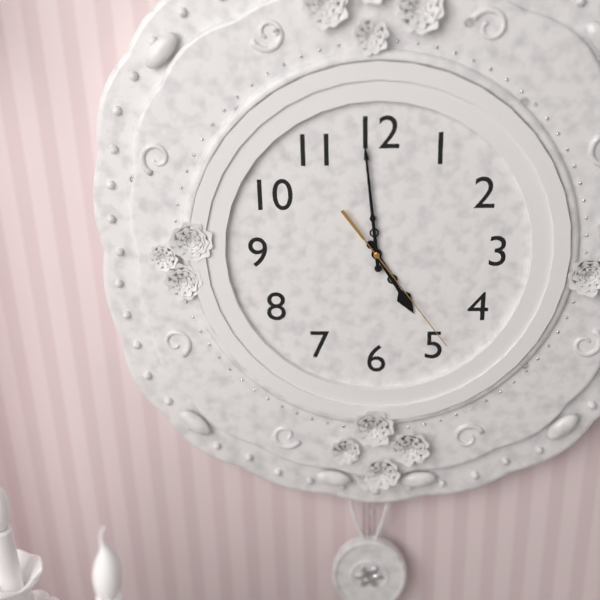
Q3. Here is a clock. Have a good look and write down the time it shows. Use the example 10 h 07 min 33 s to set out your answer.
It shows 4 h 59 min 24 s
